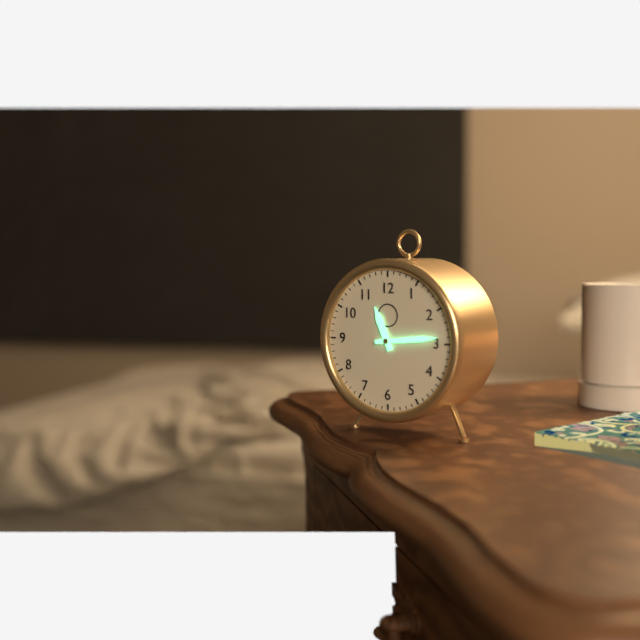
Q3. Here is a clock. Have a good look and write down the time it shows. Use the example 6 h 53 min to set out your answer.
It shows 11 h 14 min
